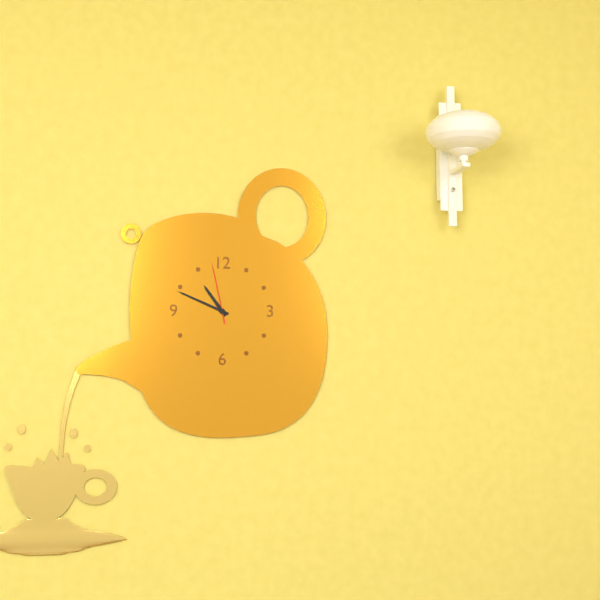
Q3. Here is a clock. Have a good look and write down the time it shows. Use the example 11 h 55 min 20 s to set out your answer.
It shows 10 h 49 min 58 s
